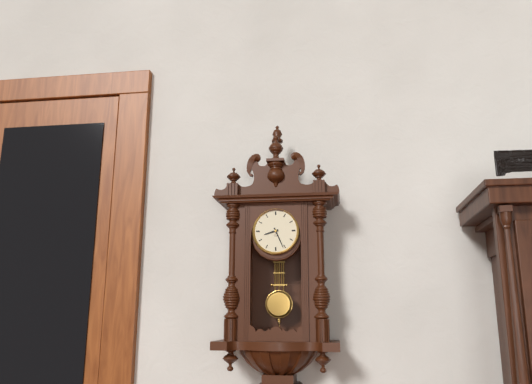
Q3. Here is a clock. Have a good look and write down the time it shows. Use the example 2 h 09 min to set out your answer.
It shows 8 h 26 min
